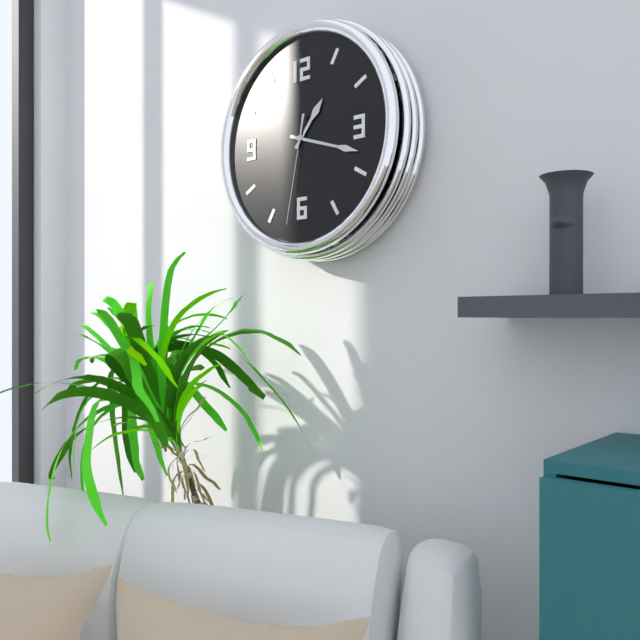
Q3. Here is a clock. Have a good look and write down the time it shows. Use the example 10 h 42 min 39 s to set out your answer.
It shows 1 h 18 min 32 s
